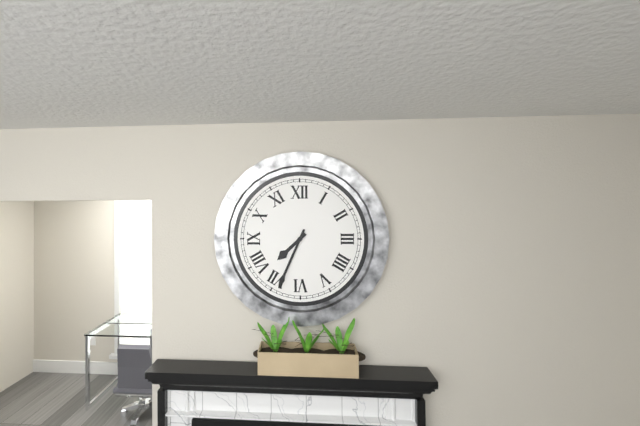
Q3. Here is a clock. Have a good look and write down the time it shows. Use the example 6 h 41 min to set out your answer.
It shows 7 h 34 min
